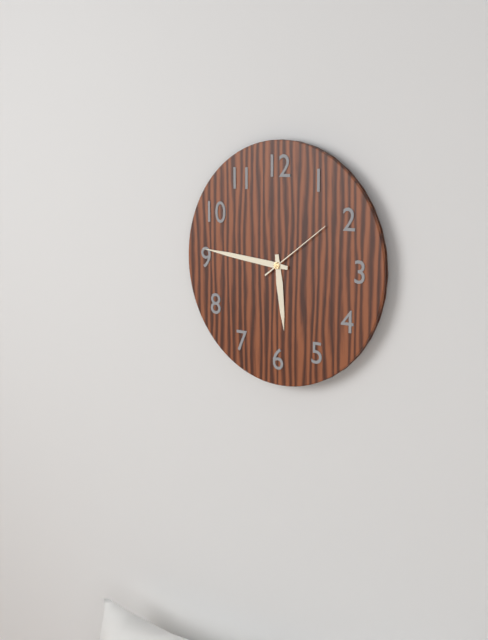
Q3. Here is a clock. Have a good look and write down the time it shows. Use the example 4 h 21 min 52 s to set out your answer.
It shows 5 h 46 min 09 s
